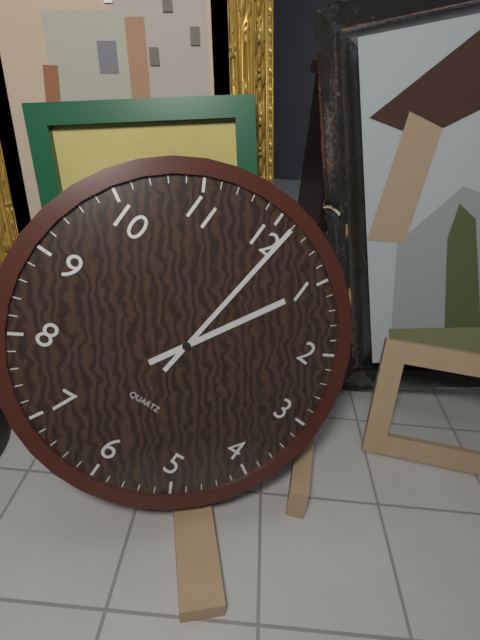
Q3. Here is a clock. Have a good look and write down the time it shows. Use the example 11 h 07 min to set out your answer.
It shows 1 h 01 min
